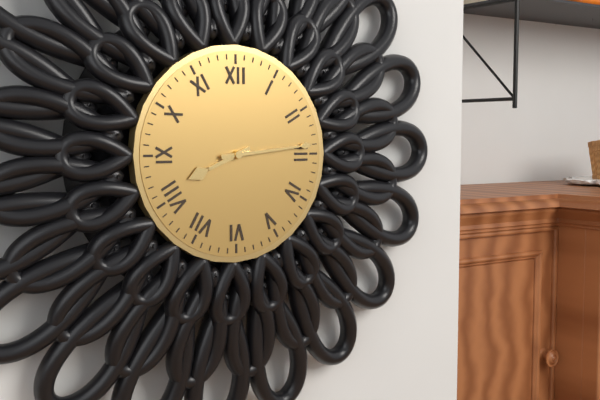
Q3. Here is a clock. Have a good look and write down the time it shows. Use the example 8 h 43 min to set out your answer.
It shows 8 h 14 min
